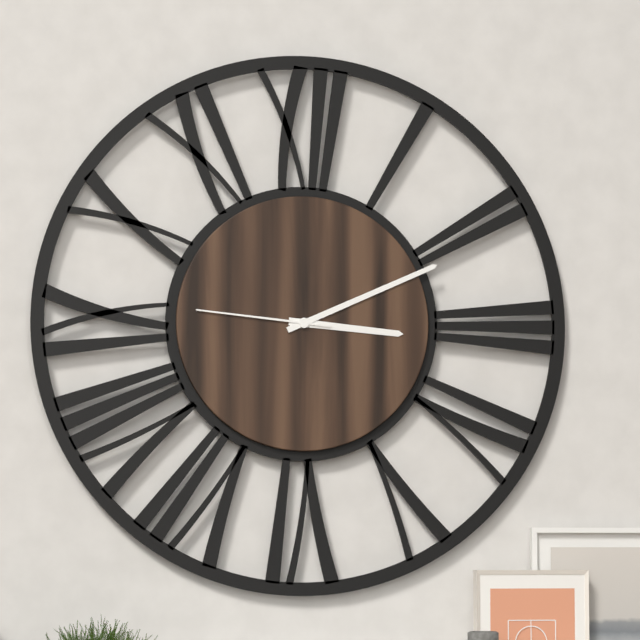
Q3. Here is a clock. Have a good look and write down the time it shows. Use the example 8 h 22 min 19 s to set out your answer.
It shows 3 h 11 min 46 s
